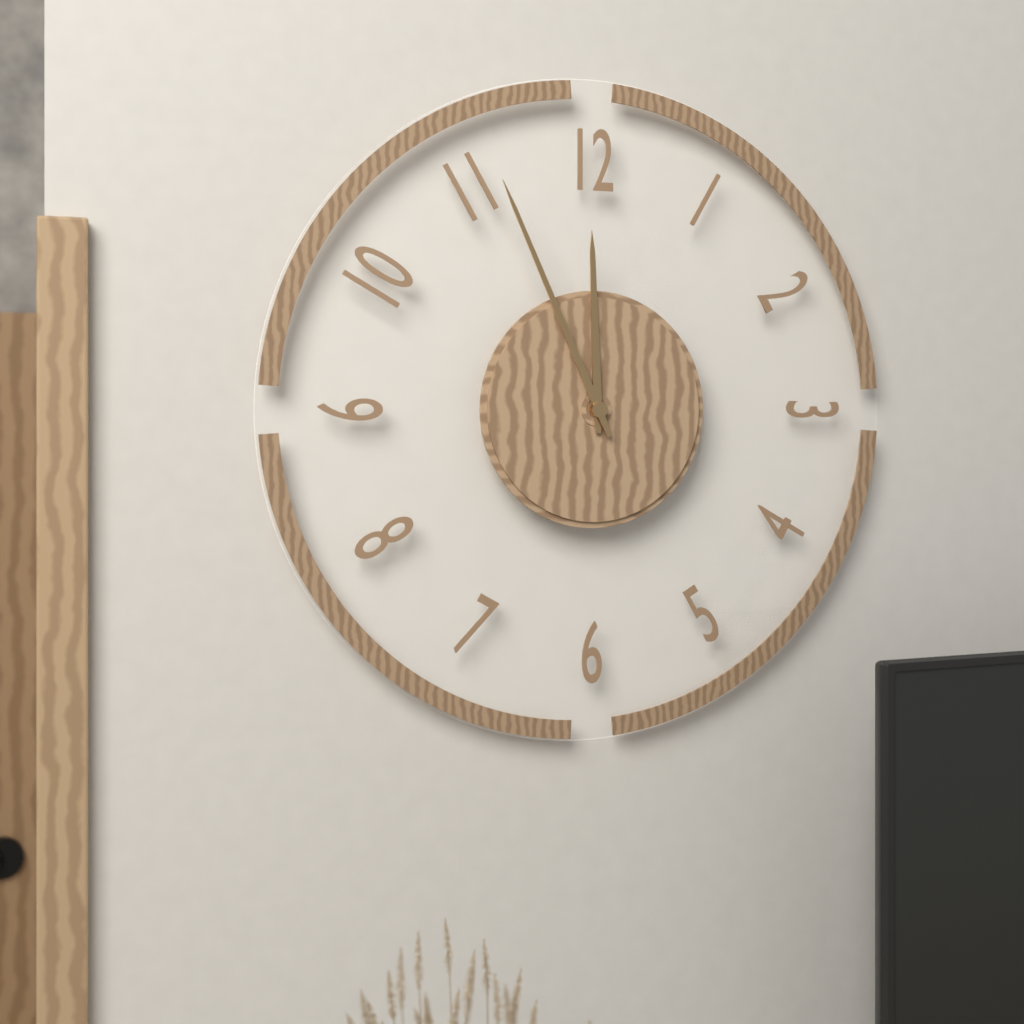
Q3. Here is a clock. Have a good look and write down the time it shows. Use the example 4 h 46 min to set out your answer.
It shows 11 h 56 min
